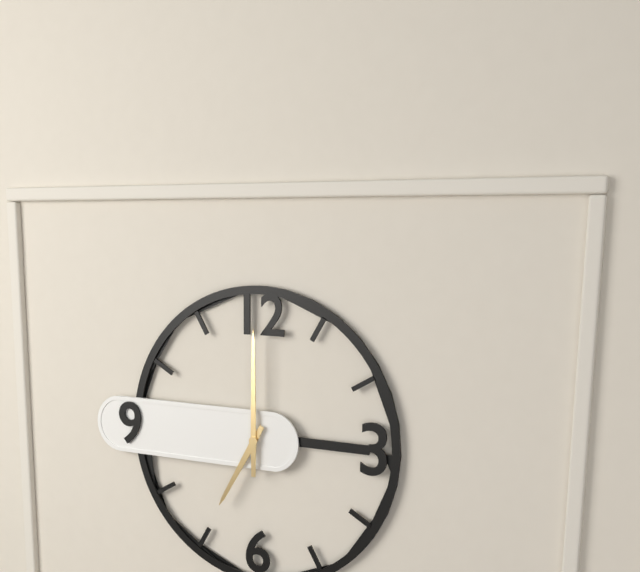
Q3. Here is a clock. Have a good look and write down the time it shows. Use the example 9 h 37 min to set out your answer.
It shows 7 h 00 min
